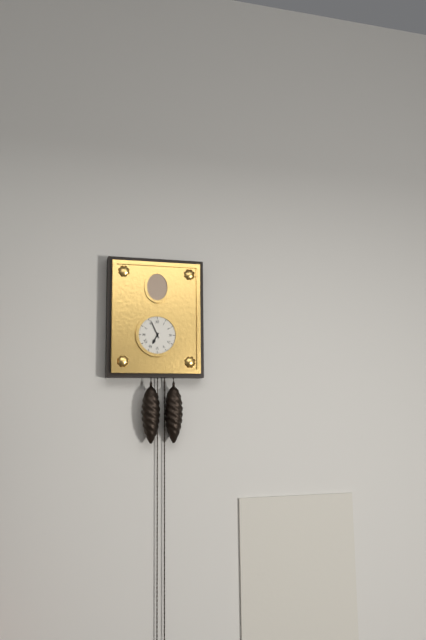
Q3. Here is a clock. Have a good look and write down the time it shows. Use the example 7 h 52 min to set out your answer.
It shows 6 h 56 min
